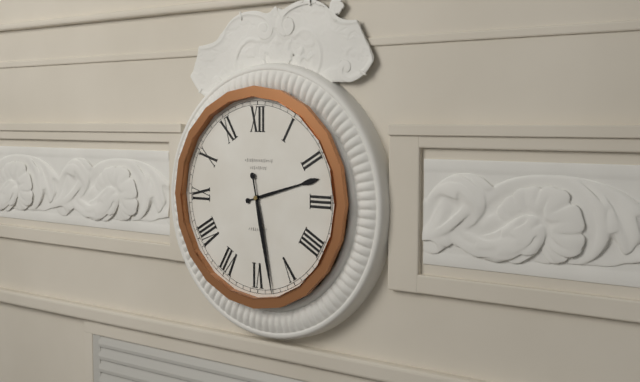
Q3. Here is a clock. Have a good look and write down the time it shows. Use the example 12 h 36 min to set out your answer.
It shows 2 h 28 min
